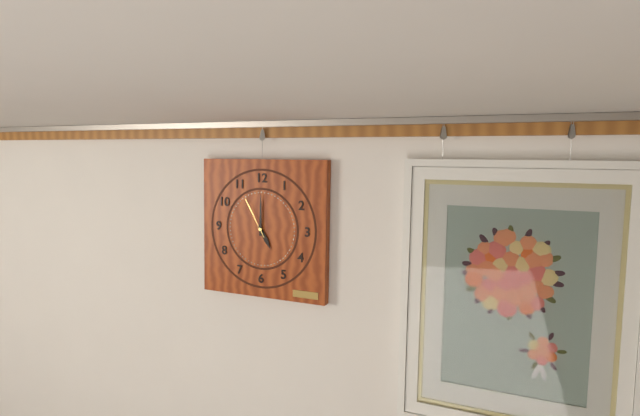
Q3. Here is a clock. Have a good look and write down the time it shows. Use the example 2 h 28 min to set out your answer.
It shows 5 h 00 min
